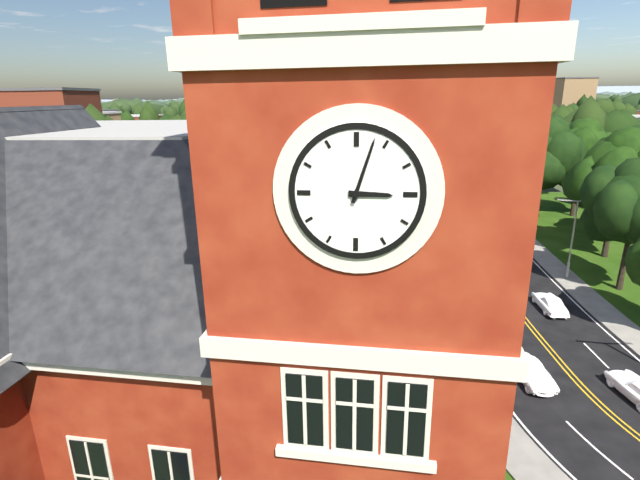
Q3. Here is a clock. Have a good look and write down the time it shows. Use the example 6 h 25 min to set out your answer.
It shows 3 h 03 min
